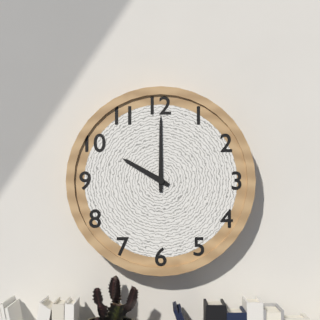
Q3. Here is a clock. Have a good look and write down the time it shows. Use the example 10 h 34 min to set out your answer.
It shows 10 h 00 min
